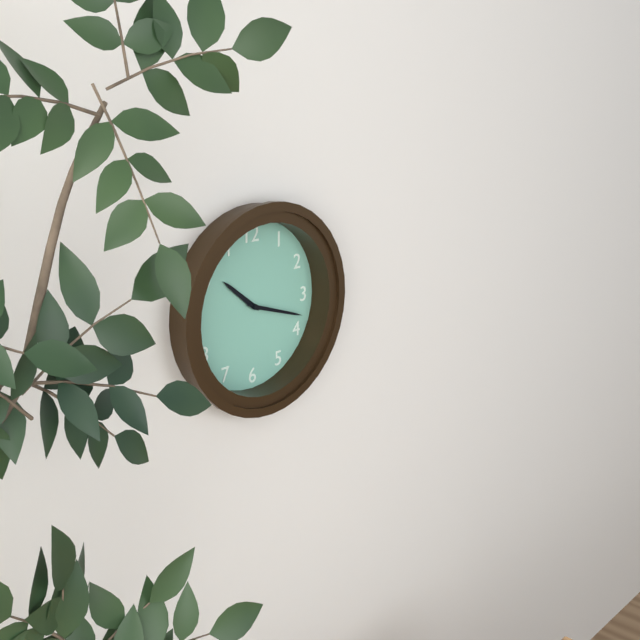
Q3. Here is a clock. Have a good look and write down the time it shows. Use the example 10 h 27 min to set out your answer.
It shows 10 h 18 min
